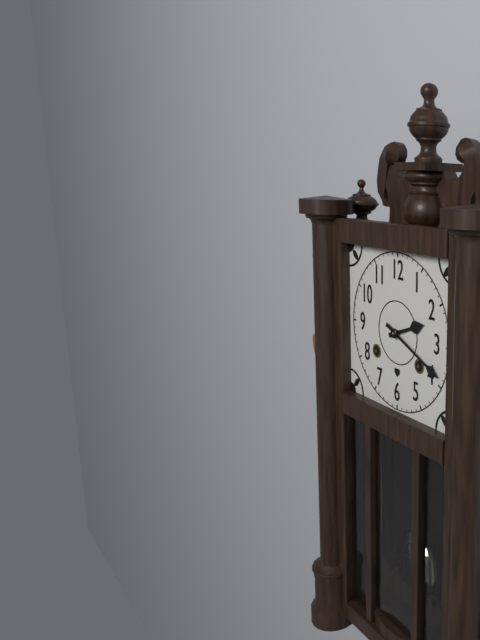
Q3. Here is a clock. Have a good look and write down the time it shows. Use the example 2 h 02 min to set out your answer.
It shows 2 h 19 min
